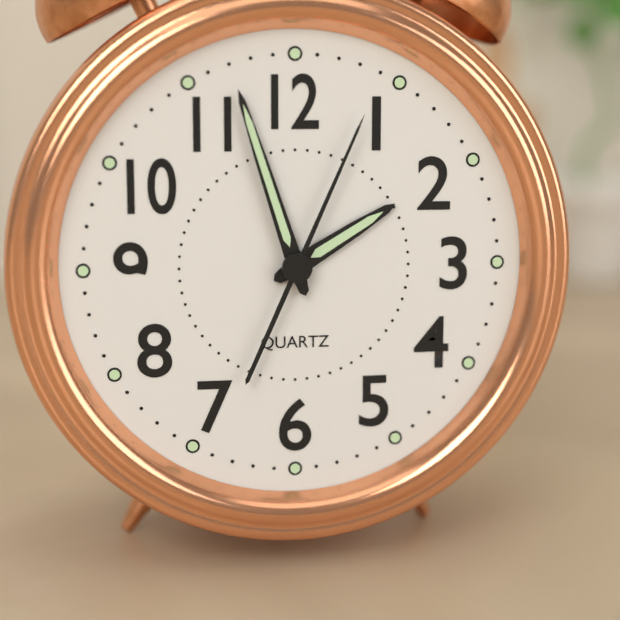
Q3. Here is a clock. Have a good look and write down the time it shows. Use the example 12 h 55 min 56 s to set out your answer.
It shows 1 h 57 min 04 s
